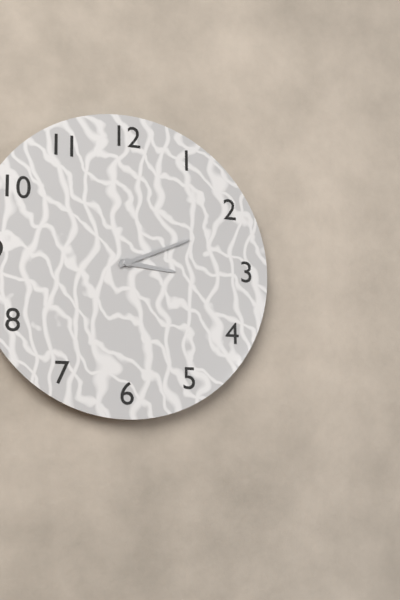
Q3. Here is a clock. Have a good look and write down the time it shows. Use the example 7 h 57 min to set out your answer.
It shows 3 h 11 min
